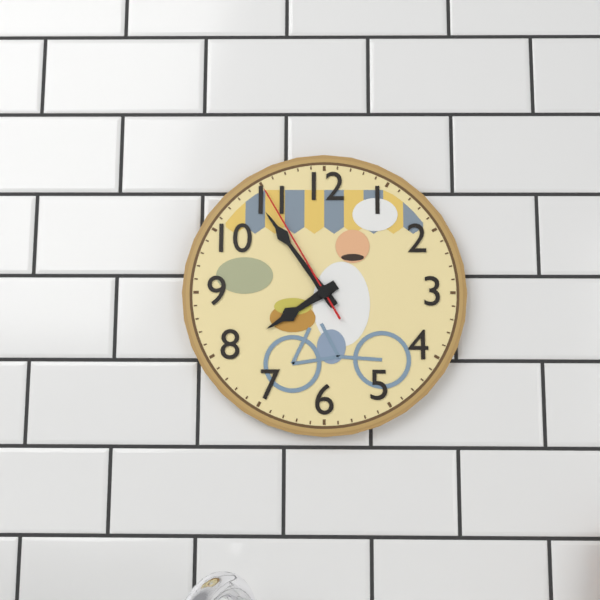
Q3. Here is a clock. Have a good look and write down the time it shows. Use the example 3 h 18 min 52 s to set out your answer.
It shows 7 h 54 min 55 s
